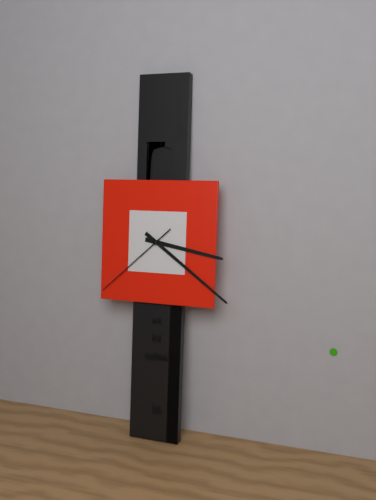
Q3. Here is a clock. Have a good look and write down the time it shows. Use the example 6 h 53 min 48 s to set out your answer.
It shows 3 h 21 min 38 s
